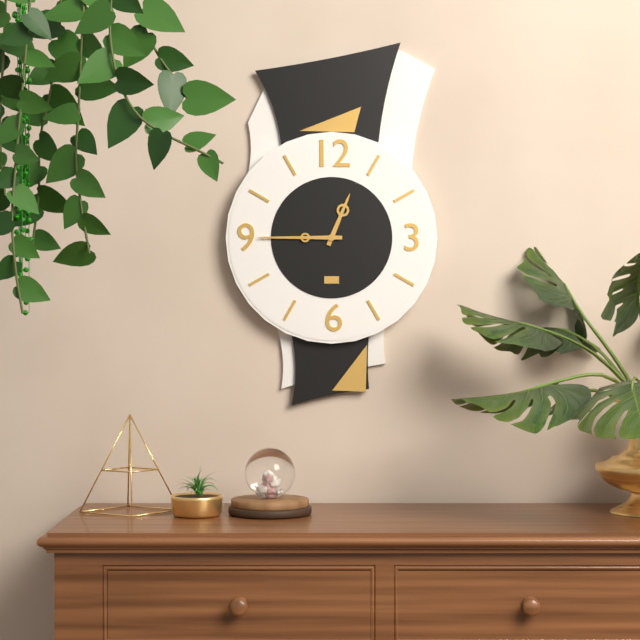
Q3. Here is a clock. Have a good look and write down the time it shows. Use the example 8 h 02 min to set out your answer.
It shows 12 h 45 min
